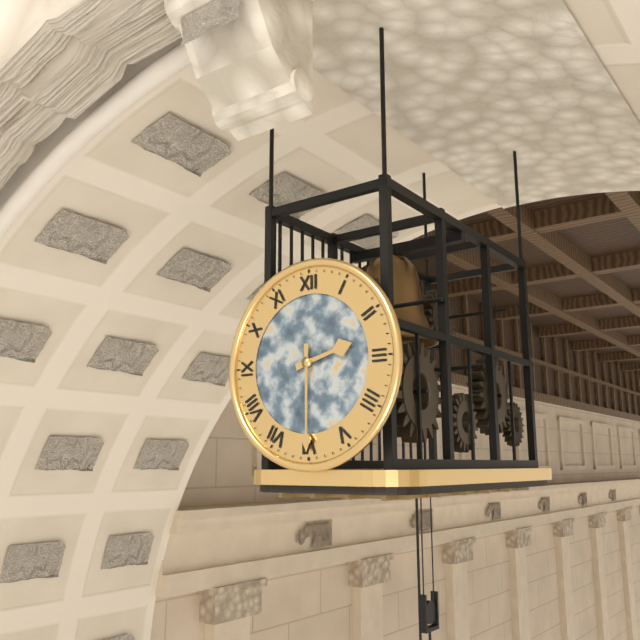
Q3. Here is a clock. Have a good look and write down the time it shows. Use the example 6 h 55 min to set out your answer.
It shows 2 h 30 min
